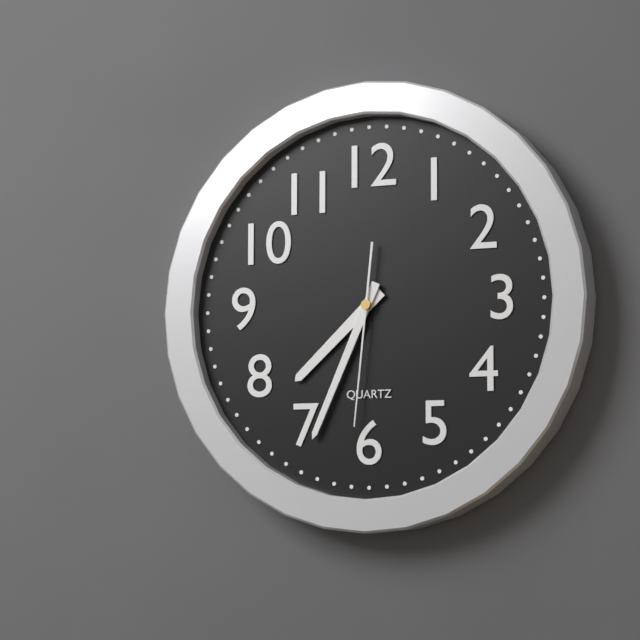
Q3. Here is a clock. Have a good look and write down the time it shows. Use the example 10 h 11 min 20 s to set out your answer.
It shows 7 h 34 min 31 s
